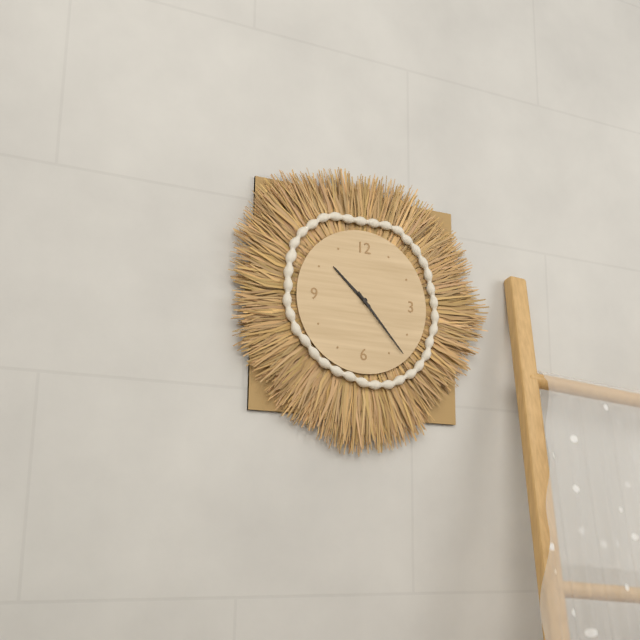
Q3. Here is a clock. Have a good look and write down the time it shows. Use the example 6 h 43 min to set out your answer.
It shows 10 h 23 min
